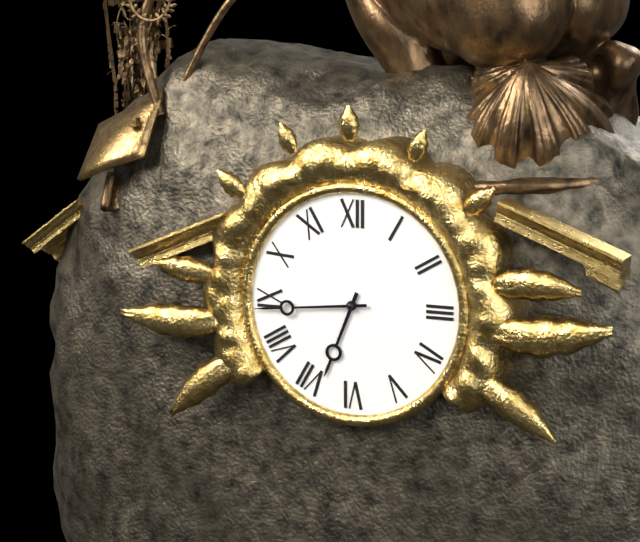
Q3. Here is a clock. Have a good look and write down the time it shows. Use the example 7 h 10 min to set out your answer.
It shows 6 h 44 min
